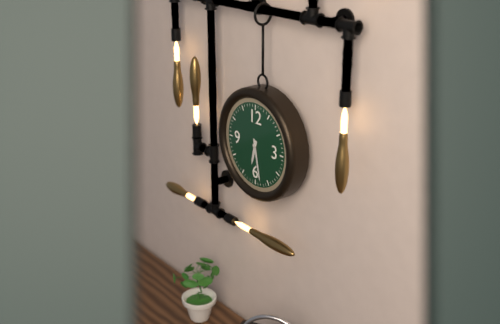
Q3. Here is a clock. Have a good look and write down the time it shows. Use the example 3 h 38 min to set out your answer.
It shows 6 h 28 min
